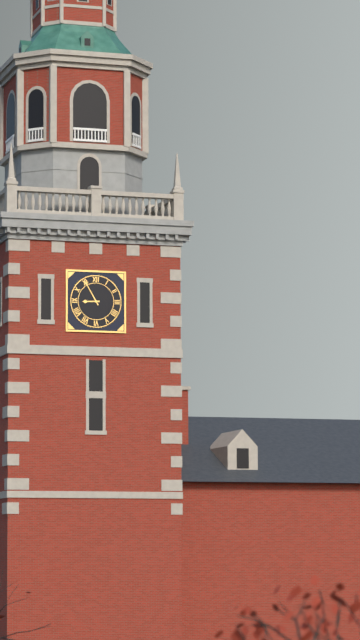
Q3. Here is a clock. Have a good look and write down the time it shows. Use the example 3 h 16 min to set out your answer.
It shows 8 h 55 min
